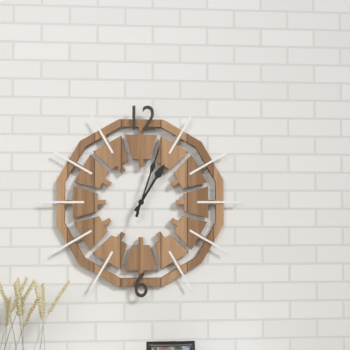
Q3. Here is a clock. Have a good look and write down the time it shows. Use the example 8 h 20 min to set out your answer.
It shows 1 h 03 min
